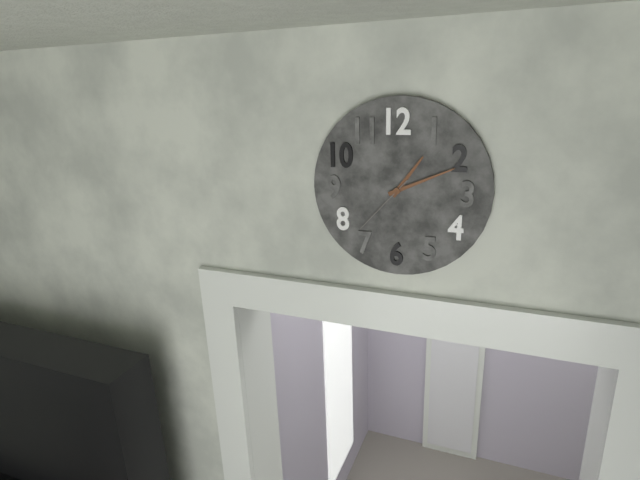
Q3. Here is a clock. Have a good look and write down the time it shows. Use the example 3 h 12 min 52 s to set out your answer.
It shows 1 h 11 min 37 s
